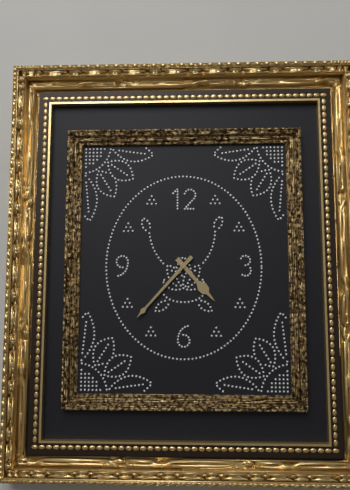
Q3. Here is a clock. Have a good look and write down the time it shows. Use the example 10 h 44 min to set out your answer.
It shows 4 h 37 min
